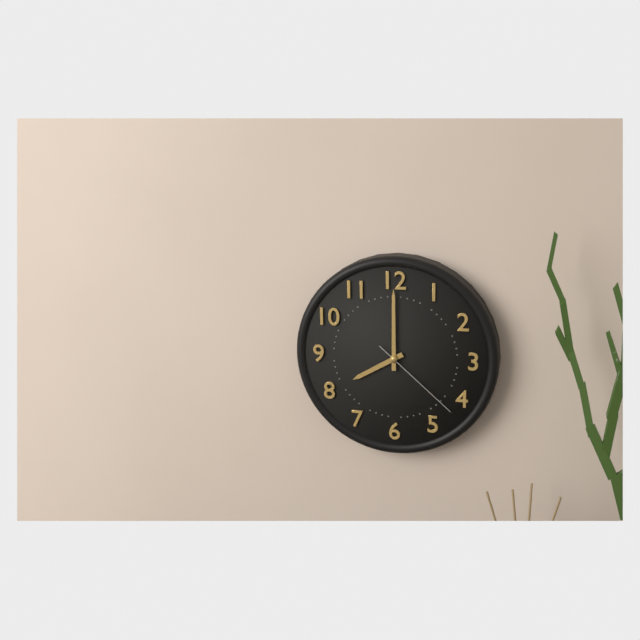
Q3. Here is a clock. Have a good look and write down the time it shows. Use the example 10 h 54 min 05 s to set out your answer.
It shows 8 h 00 min 22 s
